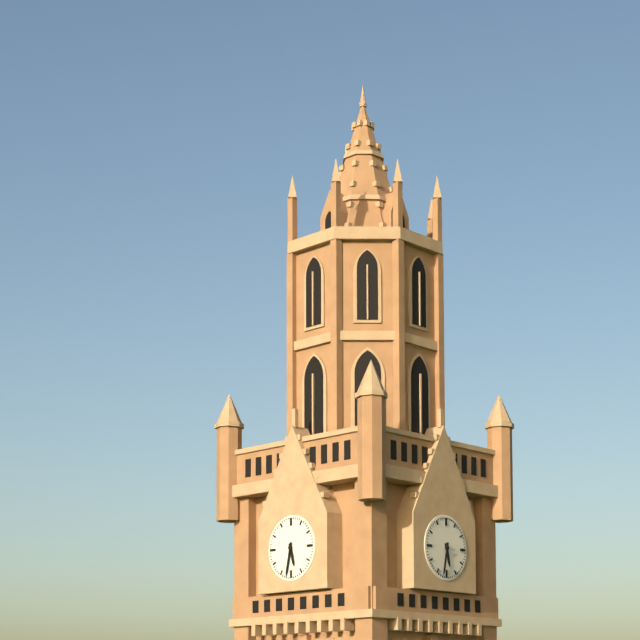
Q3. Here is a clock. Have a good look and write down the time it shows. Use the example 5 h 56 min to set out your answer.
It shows 5 h 32 min
